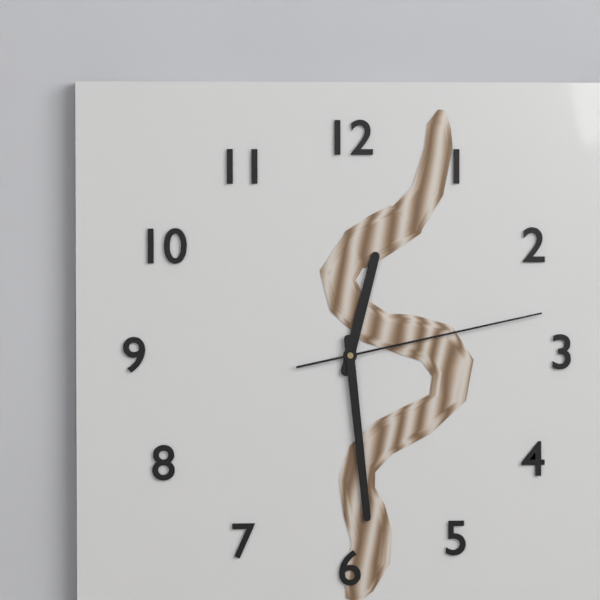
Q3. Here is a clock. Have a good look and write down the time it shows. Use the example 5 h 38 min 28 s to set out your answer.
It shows 12 h 29 min 13 s
